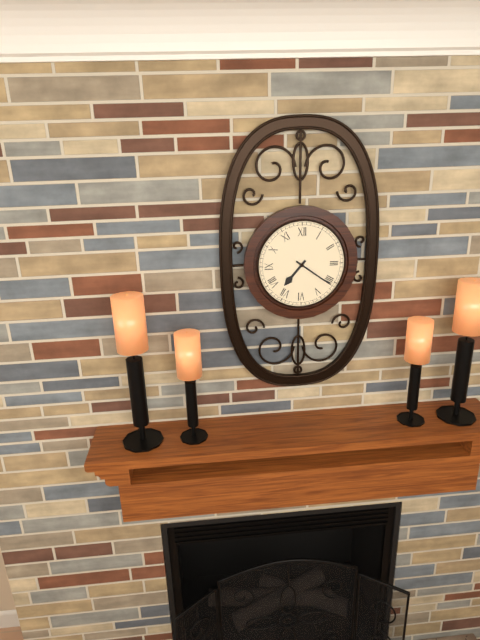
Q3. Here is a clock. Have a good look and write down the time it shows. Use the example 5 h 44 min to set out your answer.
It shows 7 h 21 min
